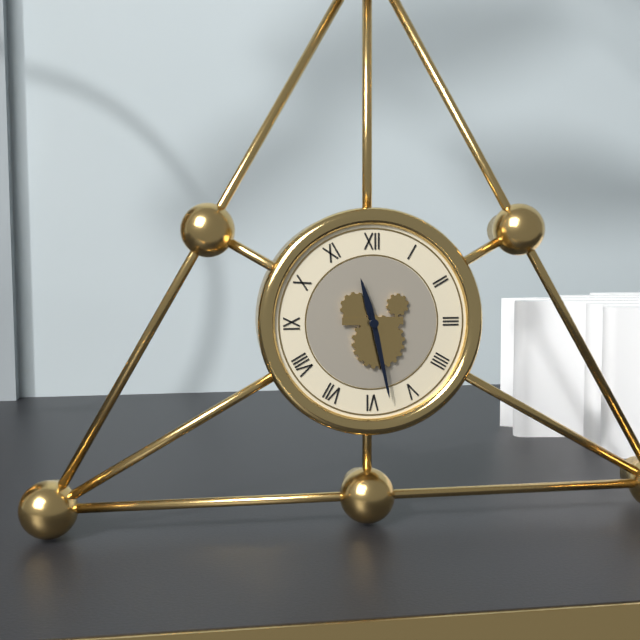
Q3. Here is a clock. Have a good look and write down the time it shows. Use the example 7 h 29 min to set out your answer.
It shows 11 h 28 min
